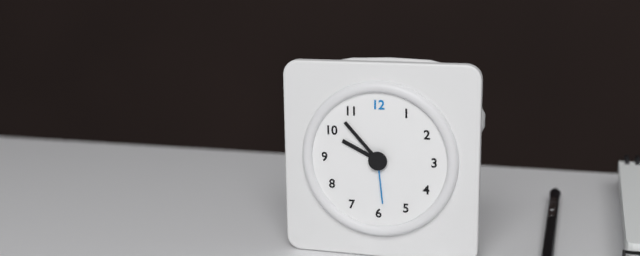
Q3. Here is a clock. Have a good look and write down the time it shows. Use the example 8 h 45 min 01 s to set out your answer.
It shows 9 h 53 min 29 s
